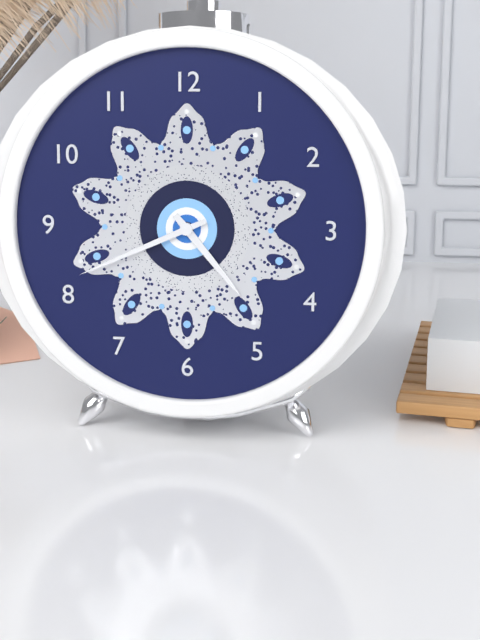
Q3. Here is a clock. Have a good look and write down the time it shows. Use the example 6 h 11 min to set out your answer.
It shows 4 h 41 min
